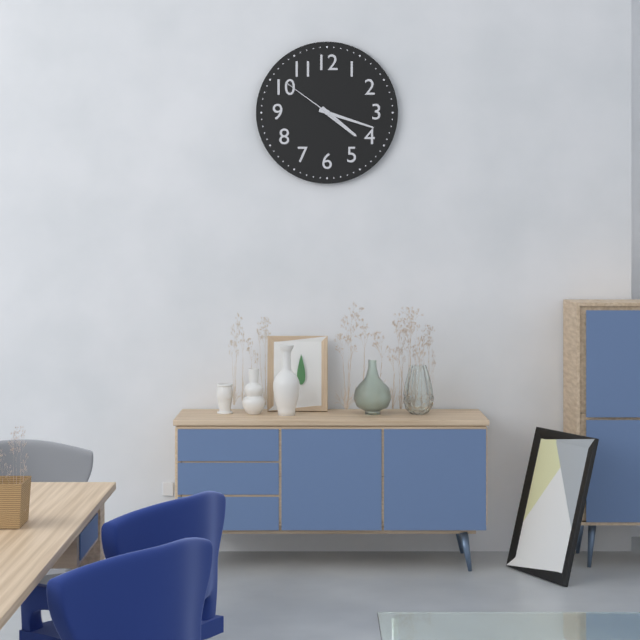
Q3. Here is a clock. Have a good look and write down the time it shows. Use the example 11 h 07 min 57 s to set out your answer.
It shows 4 h 18 min 51 s
